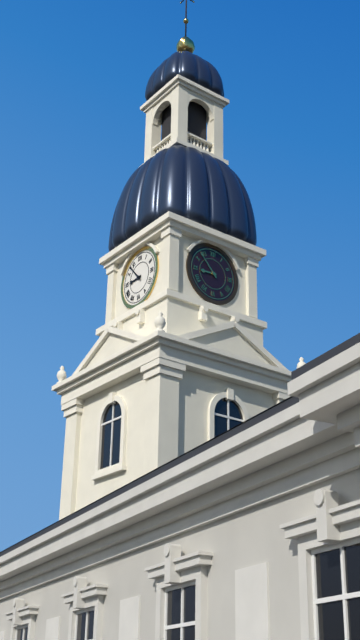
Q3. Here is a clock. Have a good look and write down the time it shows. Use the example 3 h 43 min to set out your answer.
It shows 8 h 53 min
